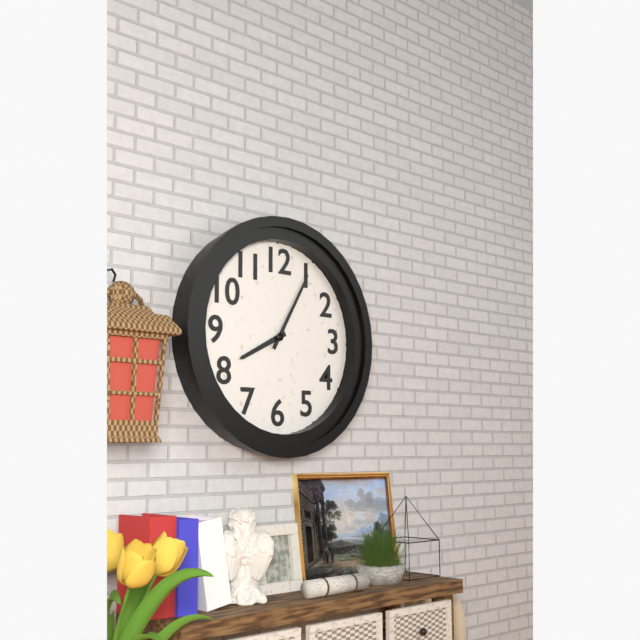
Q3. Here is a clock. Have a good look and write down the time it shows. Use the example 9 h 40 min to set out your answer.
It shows 8 h 05 min
